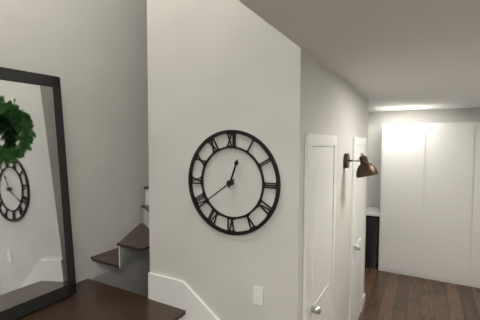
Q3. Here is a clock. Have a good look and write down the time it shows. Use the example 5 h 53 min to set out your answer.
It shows 12 h 39 min
